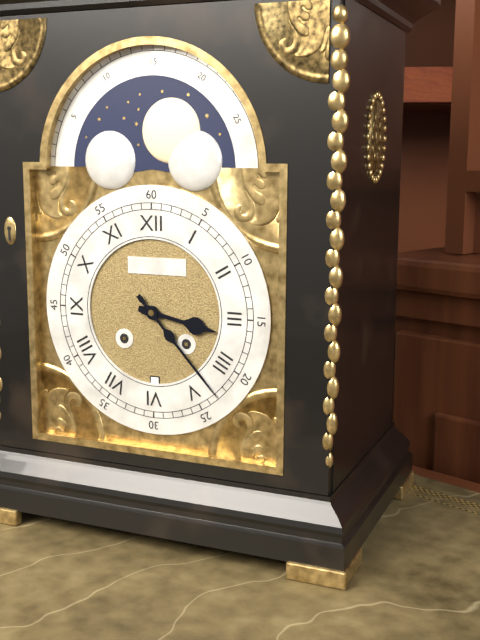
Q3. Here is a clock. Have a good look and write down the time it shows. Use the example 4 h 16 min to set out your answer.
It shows 3 h 23 min
